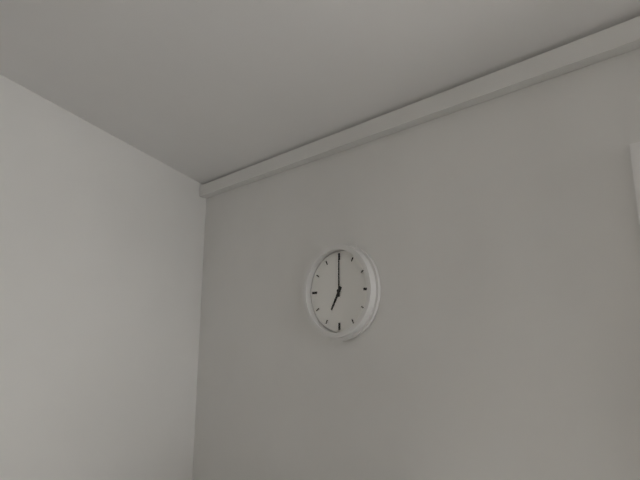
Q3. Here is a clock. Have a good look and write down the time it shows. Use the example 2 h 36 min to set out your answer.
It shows 7 h 00 min
